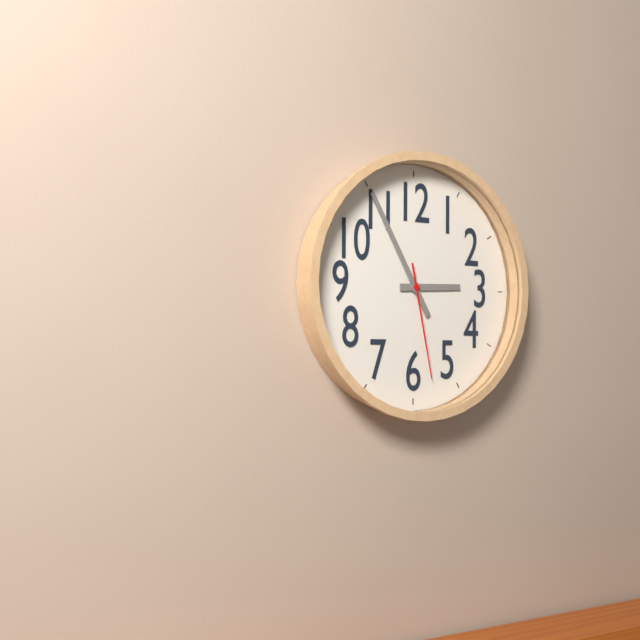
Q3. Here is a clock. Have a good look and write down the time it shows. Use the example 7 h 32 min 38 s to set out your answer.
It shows 2 h 55 min 28 s
